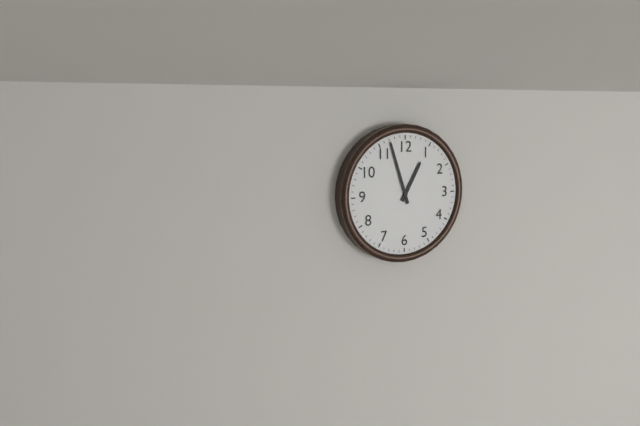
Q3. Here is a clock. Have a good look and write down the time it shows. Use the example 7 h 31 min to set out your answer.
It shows 12 h 57 min
